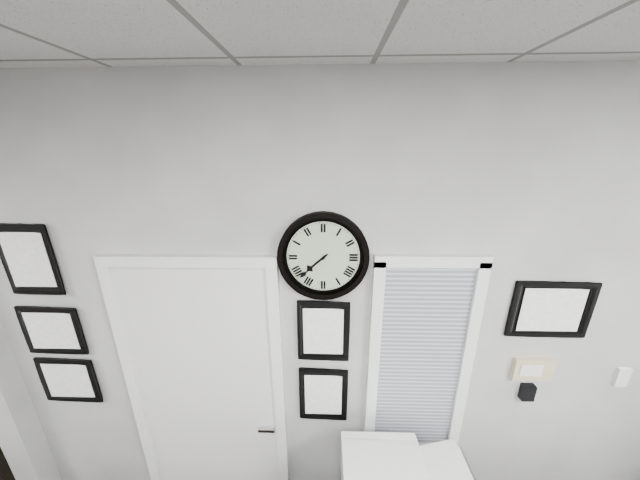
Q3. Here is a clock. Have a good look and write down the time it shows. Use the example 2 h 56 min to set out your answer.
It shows 7 h 38 min
